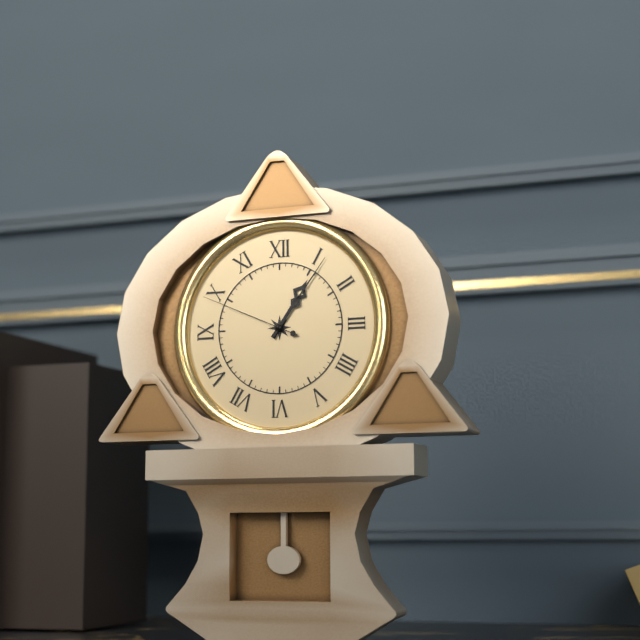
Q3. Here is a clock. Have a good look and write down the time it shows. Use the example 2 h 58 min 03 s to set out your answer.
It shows 1 h 06 min 49 s
